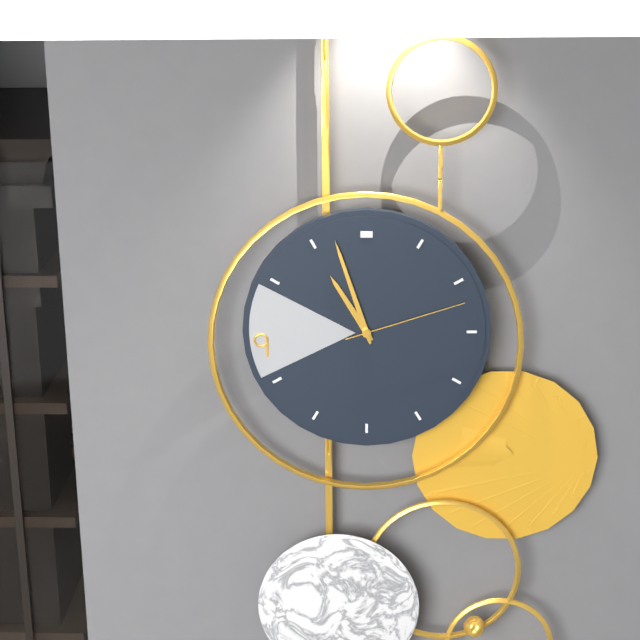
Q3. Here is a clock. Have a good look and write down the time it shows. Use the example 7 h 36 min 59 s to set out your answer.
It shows 10 h 57 min 12 s
